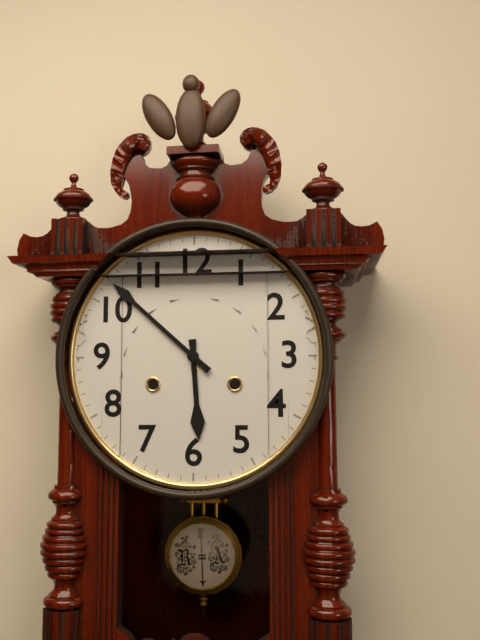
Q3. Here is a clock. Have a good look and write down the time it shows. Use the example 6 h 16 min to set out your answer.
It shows 5 h 52 min
